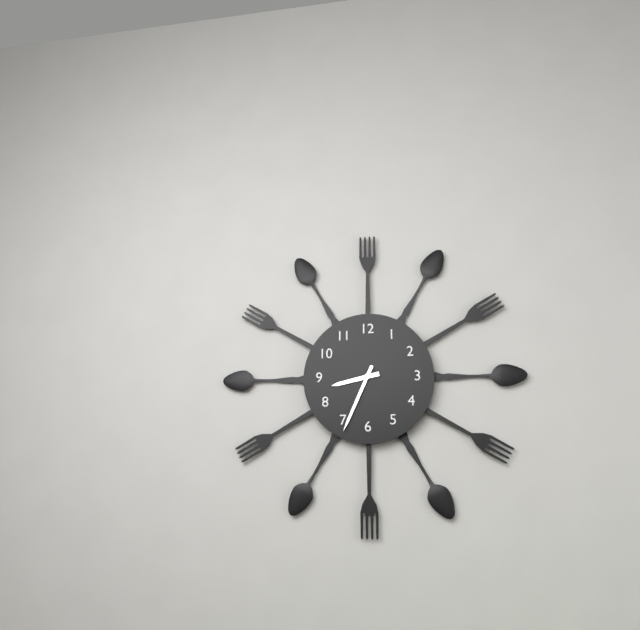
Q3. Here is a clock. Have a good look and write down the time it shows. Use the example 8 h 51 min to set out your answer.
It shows 8 h 34 min
